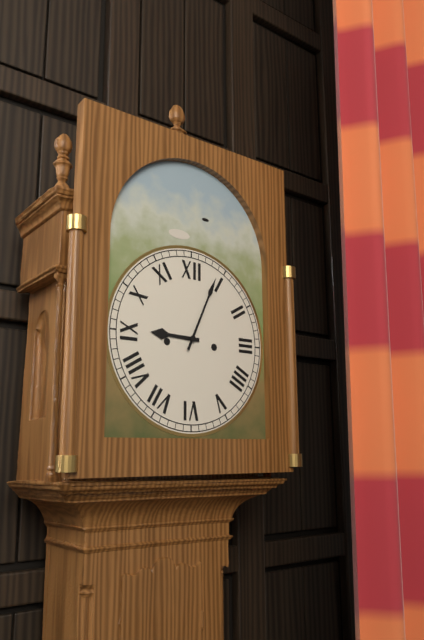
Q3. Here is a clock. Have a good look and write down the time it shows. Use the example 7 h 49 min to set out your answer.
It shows 9 h 04 min
